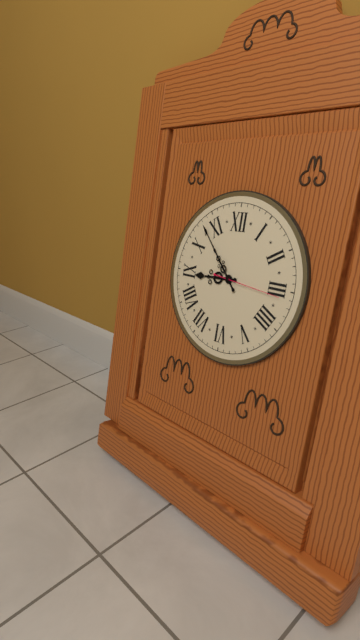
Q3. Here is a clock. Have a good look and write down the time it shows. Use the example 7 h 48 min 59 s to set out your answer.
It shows 8 h 53 min 16 s
